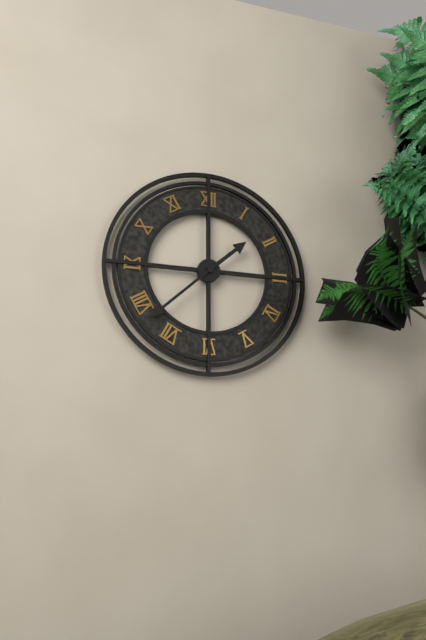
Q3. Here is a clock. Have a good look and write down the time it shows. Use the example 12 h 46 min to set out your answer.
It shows 1 h 38 min
